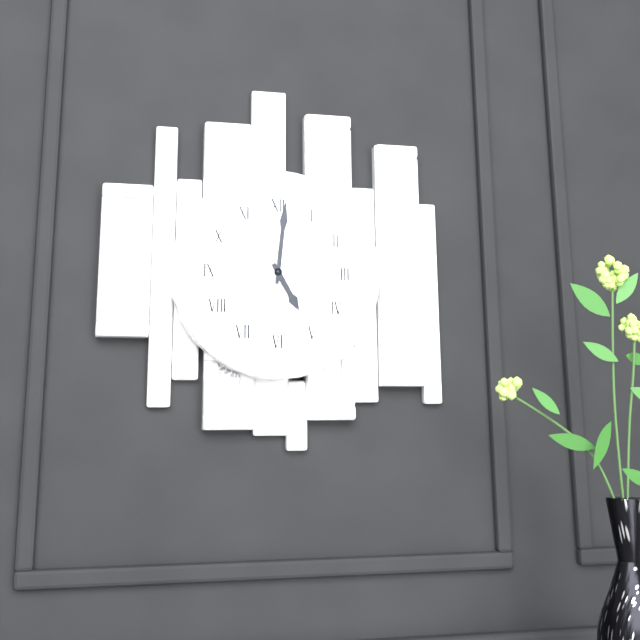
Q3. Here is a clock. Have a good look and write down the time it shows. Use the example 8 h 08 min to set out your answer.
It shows 5 h 01 min
